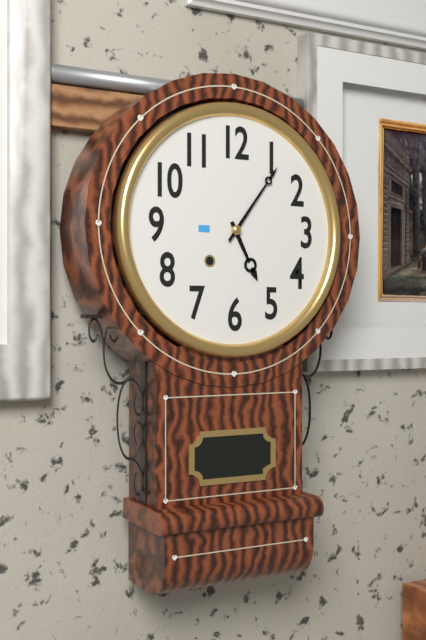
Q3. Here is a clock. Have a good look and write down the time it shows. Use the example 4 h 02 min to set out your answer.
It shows 5 h 06 min
